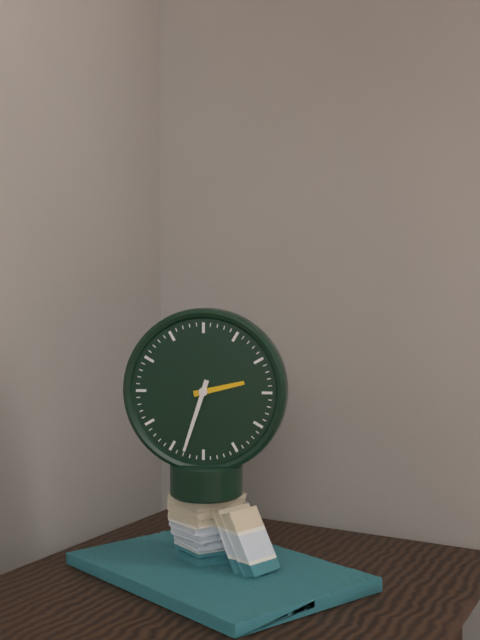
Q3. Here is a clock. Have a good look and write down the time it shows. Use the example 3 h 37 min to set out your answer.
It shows 2 h 33 min
